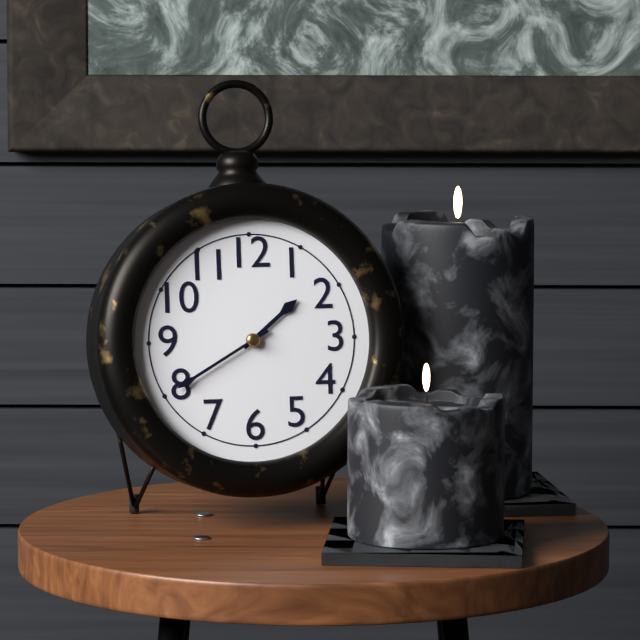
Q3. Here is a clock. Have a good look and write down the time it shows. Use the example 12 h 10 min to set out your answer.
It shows 1 h 40 min
